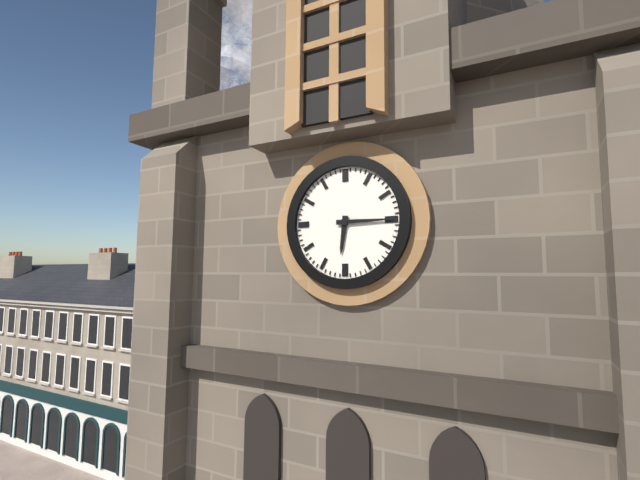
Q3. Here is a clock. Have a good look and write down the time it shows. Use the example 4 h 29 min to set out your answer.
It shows 6 h 15 min
